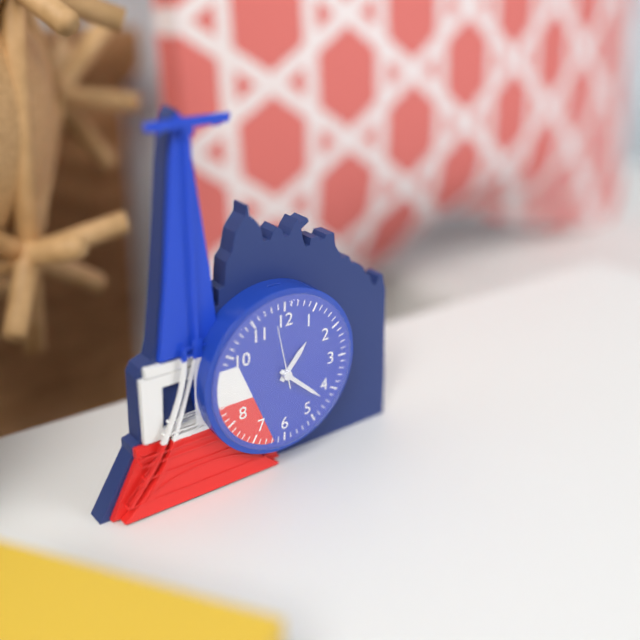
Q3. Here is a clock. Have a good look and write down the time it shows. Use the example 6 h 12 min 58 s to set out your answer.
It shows 1 h 22 min 58 s
